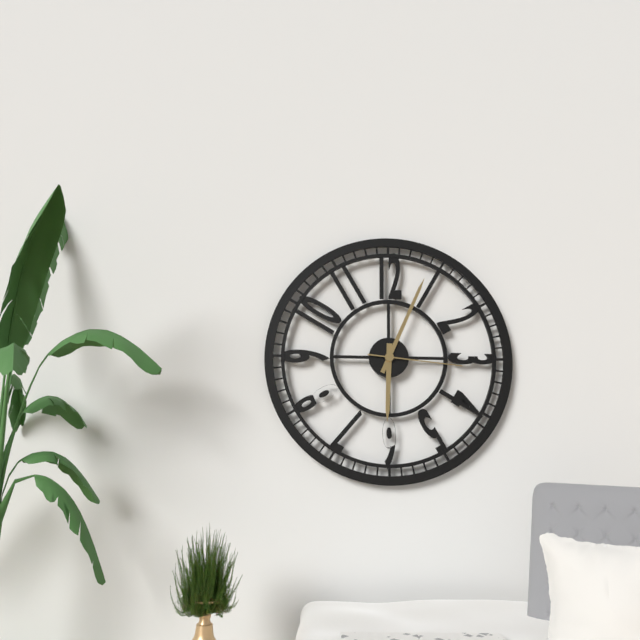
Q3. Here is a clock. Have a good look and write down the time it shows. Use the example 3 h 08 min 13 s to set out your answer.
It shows 6 h 04 min 16 s
